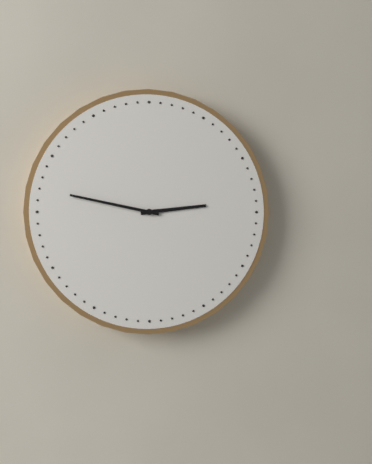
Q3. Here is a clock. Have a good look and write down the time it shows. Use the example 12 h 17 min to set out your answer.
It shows 2 h 47 min
